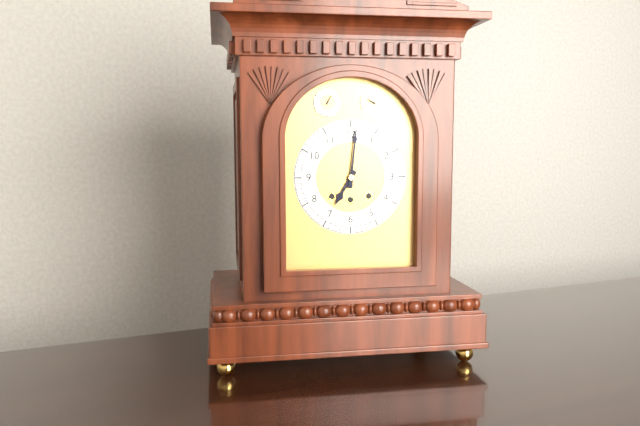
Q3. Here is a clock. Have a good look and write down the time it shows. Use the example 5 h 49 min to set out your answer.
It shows 7 h 01 min
